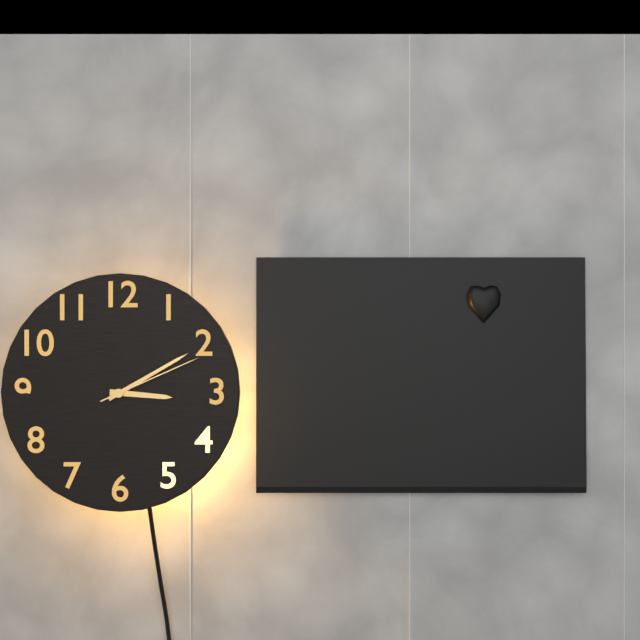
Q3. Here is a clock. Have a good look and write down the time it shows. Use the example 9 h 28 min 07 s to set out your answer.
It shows 3 h 10 min 11 s
